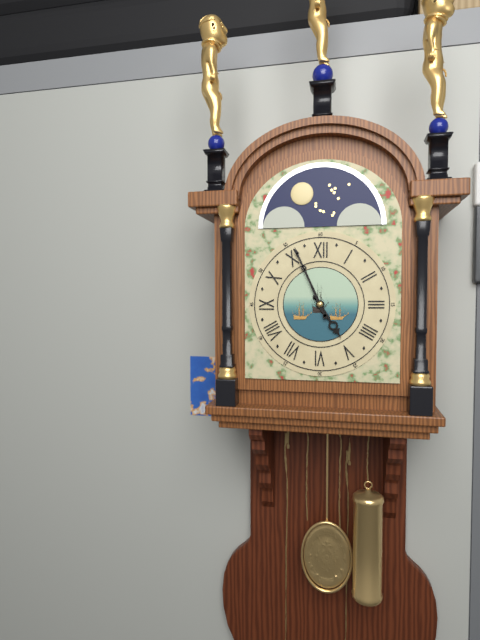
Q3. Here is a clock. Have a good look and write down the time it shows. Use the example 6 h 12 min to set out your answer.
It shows 4 h 56 min
